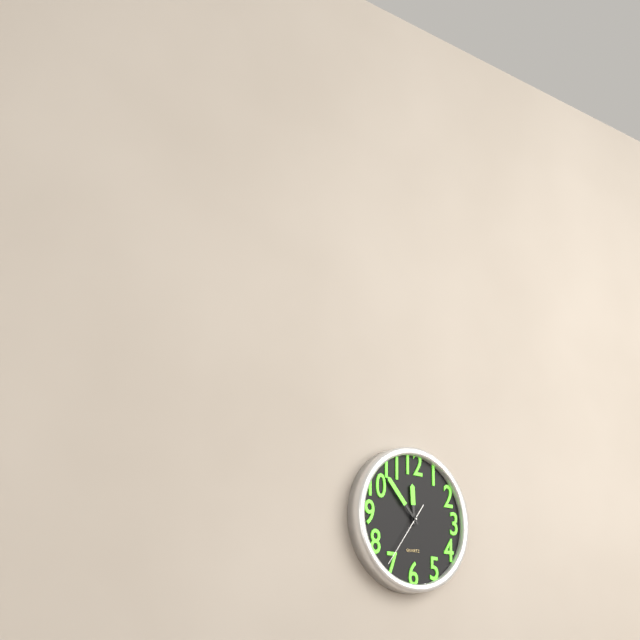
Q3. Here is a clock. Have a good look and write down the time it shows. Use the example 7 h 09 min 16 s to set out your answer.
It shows 11 h 53 min 36 s
